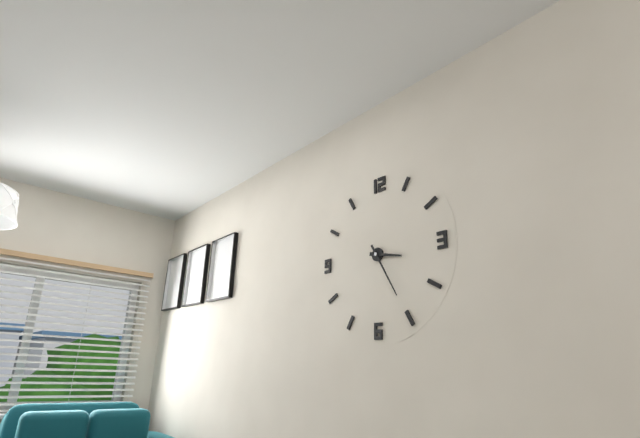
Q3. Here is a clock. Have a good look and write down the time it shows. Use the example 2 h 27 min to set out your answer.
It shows 3 h 25 min
